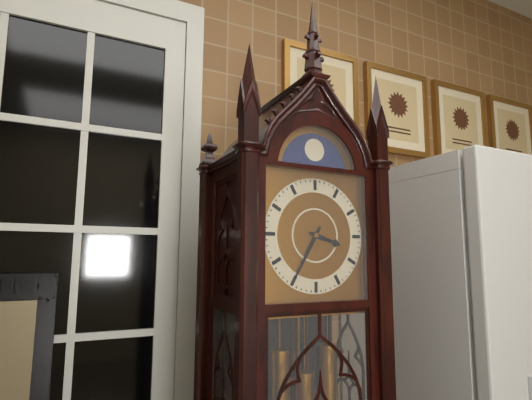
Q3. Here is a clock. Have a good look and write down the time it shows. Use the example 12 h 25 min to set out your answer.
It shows 3 h 35 min
